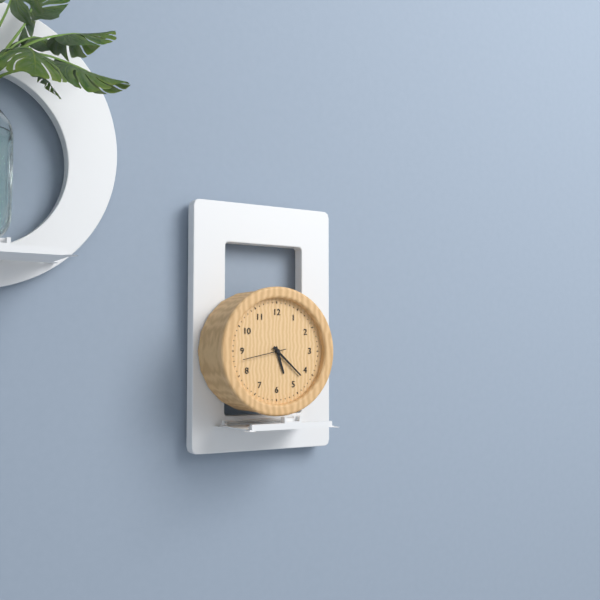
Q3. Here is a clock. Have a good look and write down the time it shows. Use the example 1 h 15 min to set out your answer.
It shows 5 h 22 min
